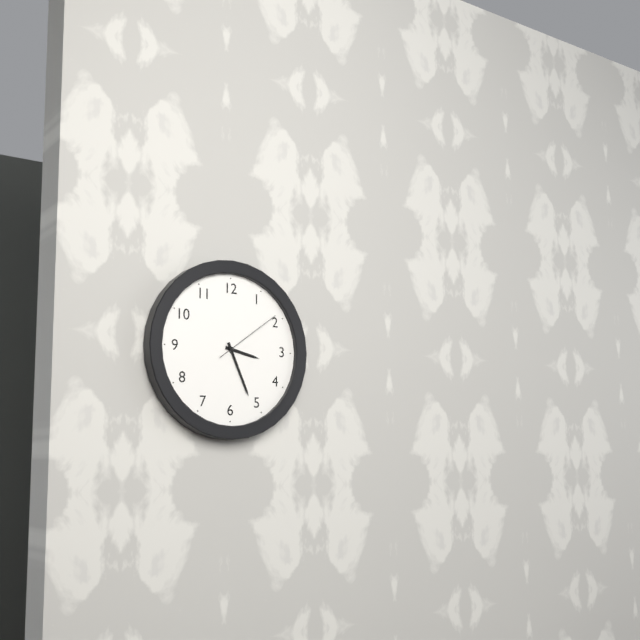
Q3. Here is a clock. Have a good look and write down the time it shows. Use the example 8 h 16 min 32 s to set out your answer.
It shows 3 h 26 min 09 s
